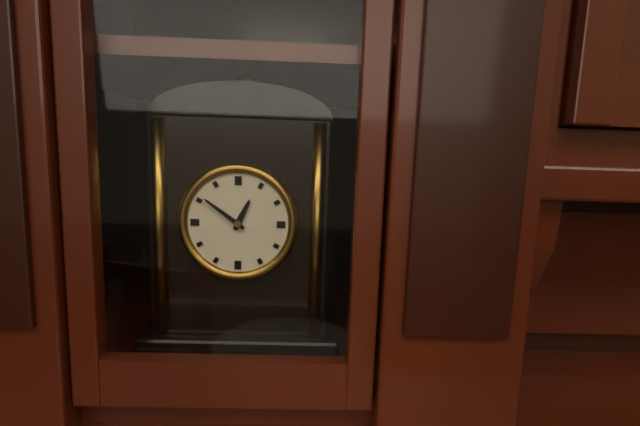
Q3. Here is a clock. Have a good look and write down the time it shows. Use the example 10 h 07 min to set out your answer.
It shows 12 h 51 min
